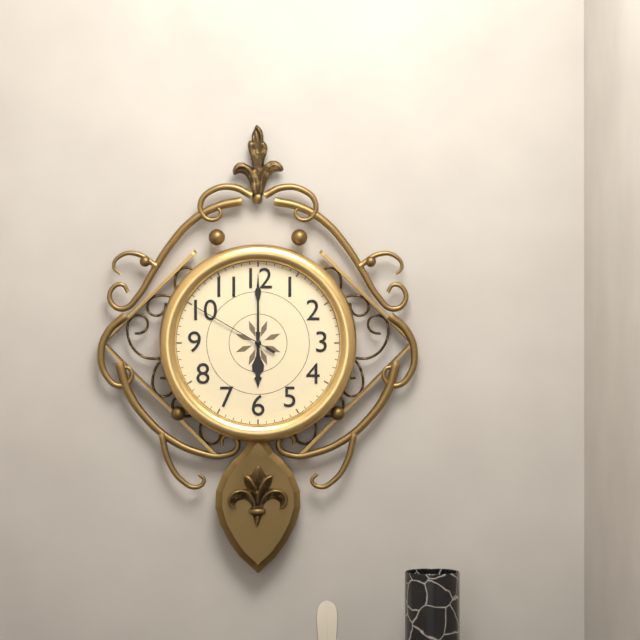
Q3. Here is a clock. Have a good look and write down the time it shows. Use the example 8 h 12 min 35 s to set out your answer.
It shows 6 h 00 min 50 s
